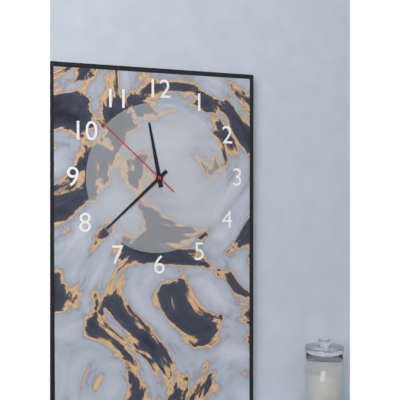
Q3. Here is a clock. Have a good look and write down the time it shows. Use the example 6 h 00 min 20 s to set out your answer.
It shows 11 h 38 min 52 s
